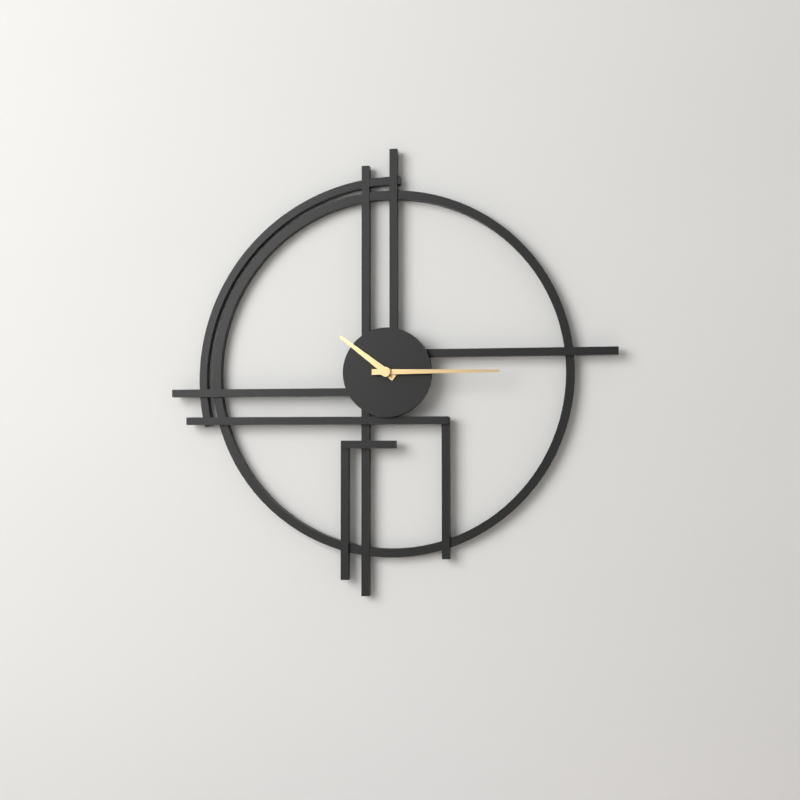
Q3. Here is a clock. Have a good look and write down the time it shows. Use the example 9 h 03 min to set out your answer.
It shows 10 h 15 min
